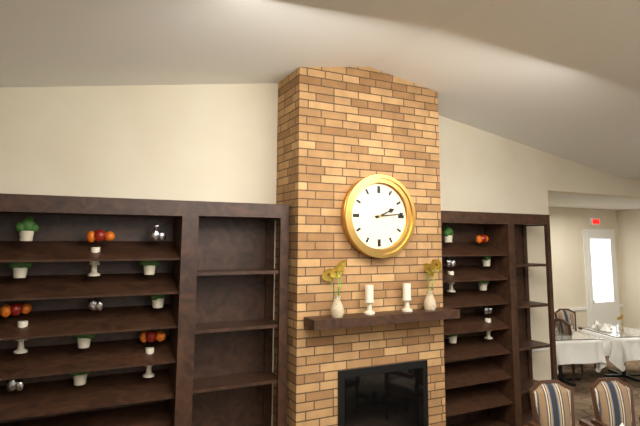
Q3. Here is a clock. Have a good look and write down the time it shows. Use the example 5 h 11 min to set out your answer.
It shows 2 h 14 min
